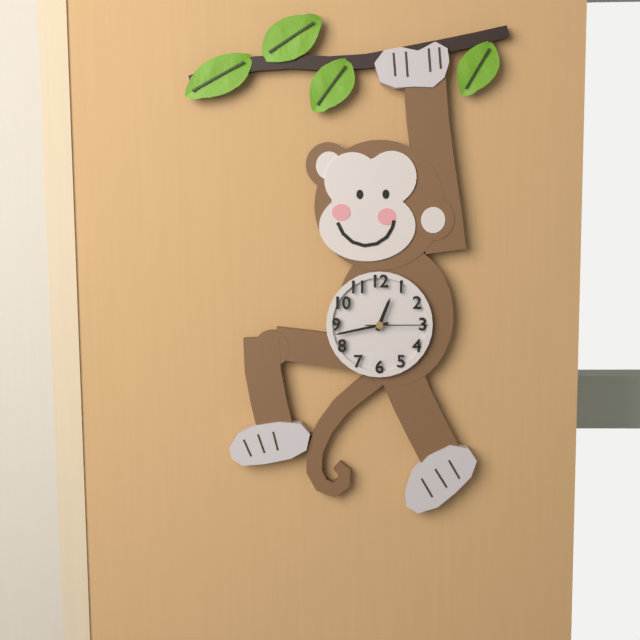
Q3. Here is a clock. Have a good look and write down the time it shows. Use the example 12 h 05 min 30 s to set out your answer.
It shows 12 h 43 min 15 s
